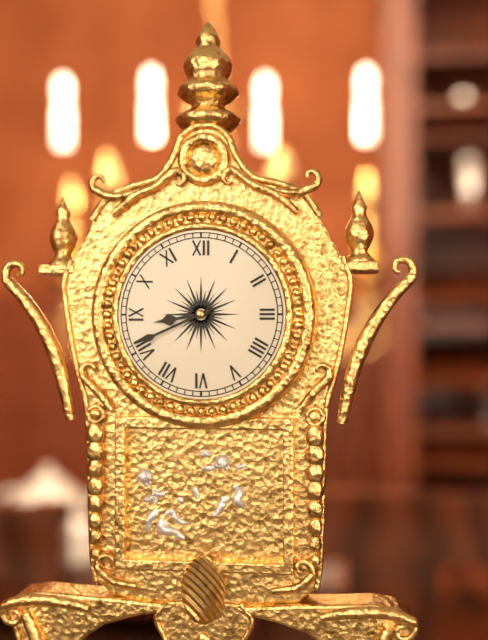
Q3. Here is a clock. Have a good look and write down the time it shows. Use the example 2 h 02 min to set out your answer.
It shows 8 h 41 min
